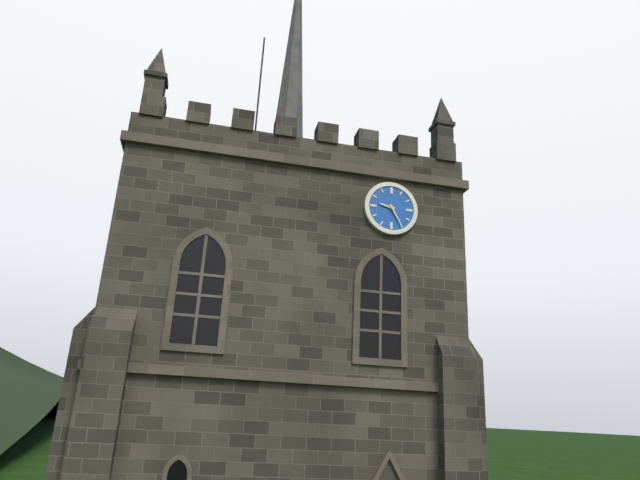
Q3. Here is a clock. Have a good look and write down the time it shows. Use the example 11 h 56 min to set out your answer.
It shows 9 h 25 min
